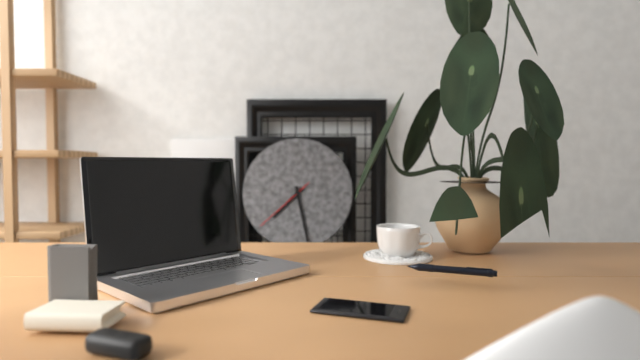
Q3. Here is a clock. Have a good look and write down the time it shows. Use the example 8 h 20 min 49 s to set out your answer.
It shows 7 h 28 min 38 s
